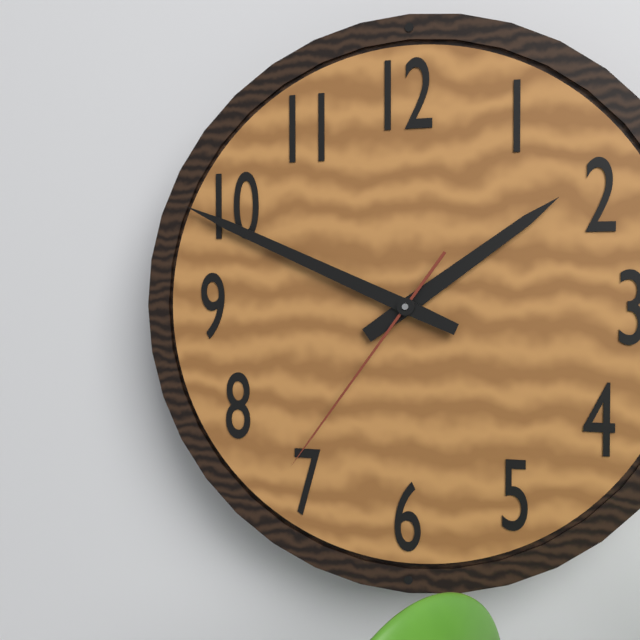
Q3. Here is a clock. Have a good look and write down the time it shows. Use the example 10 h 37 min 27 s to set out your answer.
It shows 1 h 49 min 36 s
